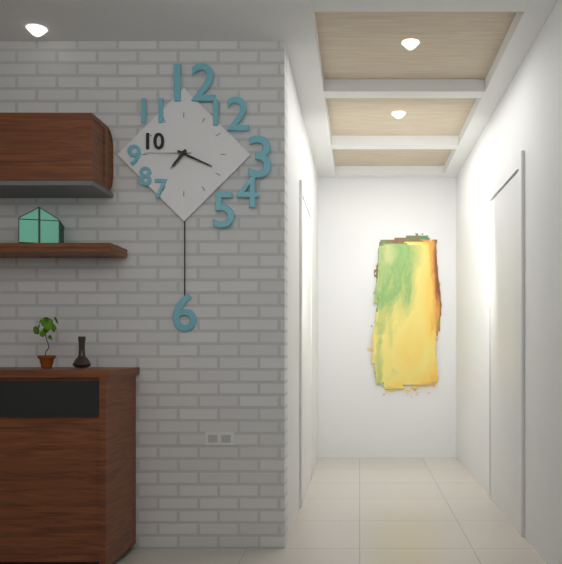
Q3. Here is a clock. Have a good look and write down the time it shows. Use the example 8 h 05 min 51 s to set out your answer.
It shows 7 h 19 min 45 s
